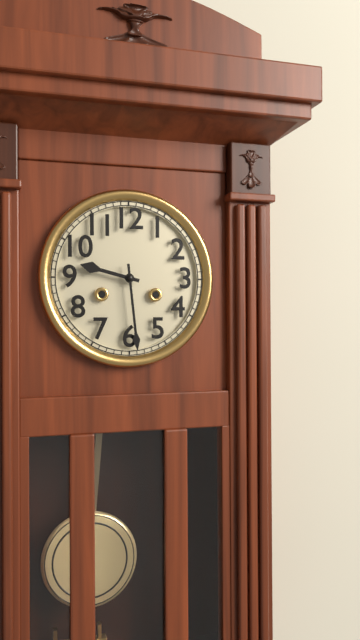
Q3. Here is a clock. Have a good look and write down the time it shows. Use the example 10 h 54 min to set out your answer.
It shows 9 h 29 min
